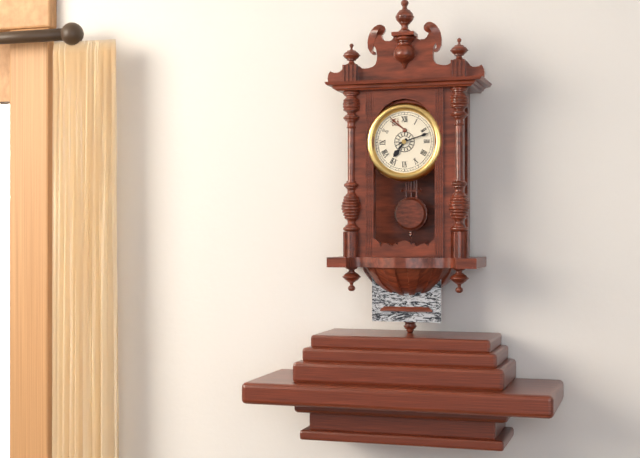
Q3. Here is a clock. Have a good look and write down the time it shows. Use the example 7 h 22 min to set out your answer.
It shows 7 h 12 min
